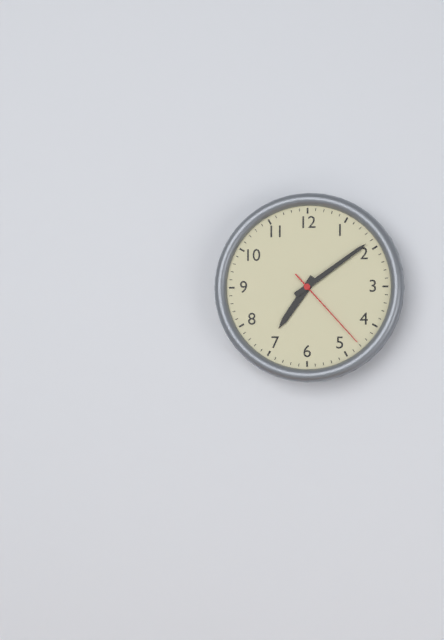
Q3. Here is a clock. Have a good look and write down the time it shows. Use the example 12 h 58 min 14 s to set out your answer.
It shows 7 h 09 min 23 s
